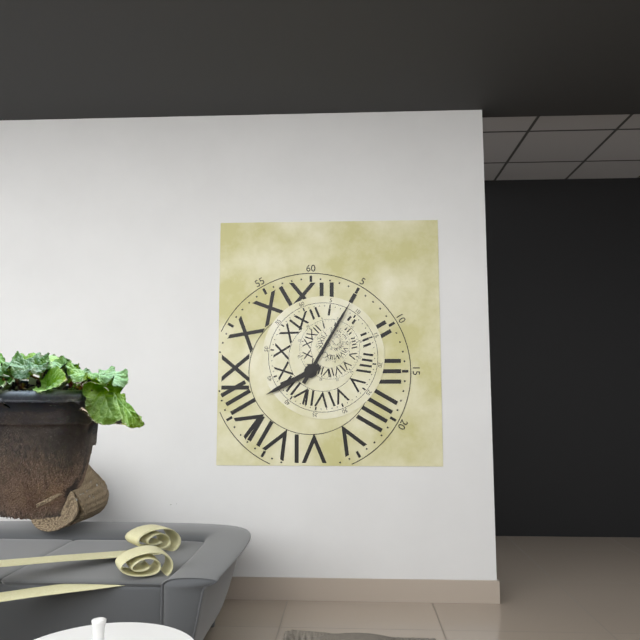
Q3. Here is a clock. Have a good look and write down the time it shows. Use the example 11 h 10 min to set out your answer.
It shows 8 h 05 min
